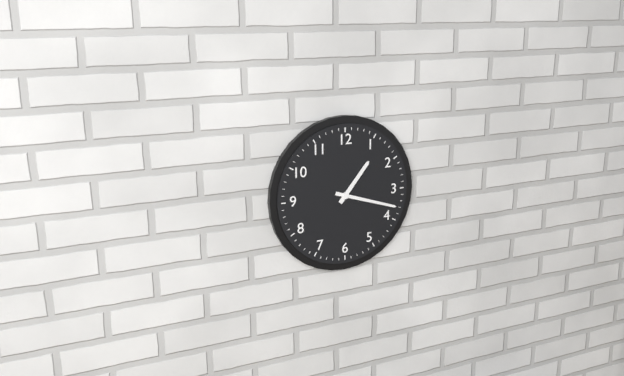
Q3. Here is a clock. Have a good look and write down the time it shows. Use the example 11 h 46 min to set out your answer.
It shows 1 h 18 min
